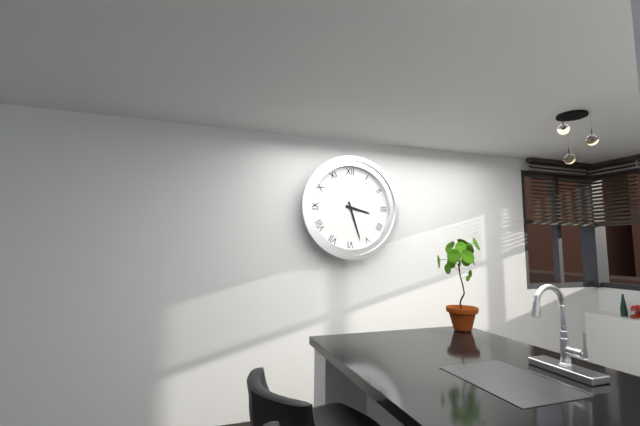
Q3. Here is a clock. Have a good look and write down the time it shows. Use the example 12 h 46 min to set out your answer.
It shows 3 h 27 min
